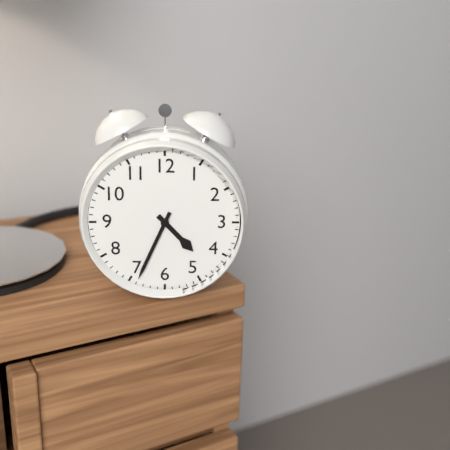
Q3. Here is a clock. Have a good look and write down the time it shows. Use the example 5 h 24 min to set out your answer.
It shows 4 h 34 min
